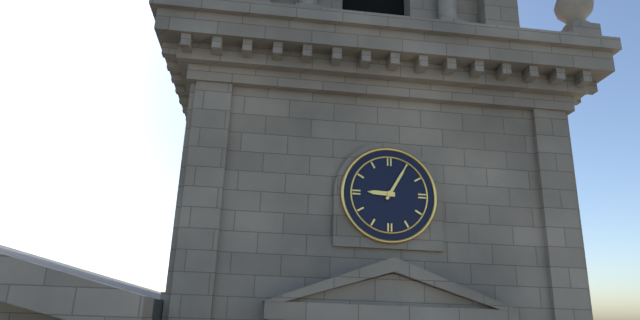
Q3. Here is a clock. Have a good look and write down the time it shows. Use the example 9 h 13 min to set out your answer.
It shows 9 h 05 min
